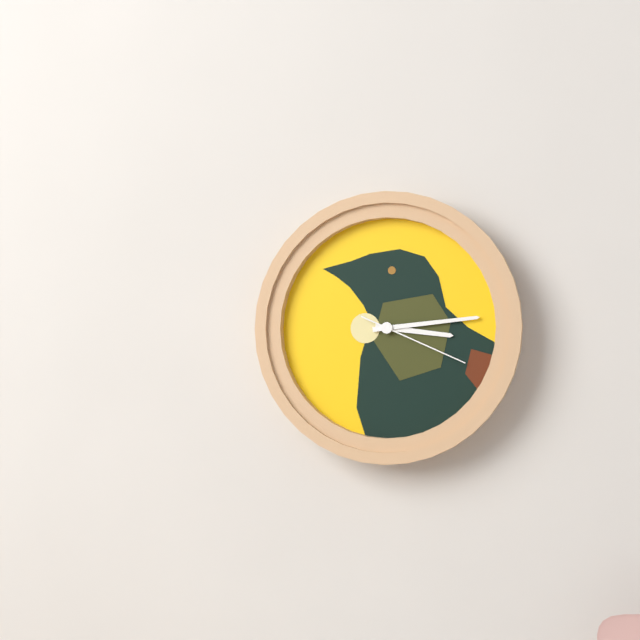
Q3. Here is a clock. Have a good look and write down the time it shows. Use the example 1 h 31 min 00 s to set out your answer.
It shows 3 h 14 min 19 s
